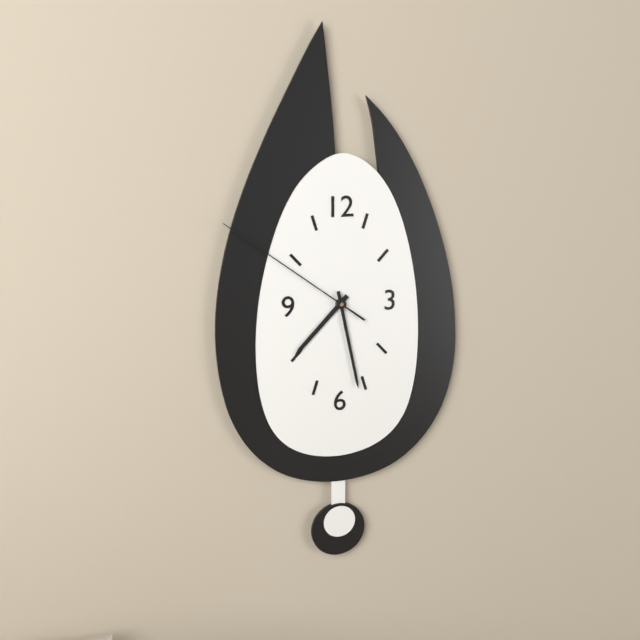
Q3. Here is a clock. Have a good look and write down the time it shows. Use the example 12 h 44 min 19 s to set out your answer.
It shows 7 h 28 min 51 s
